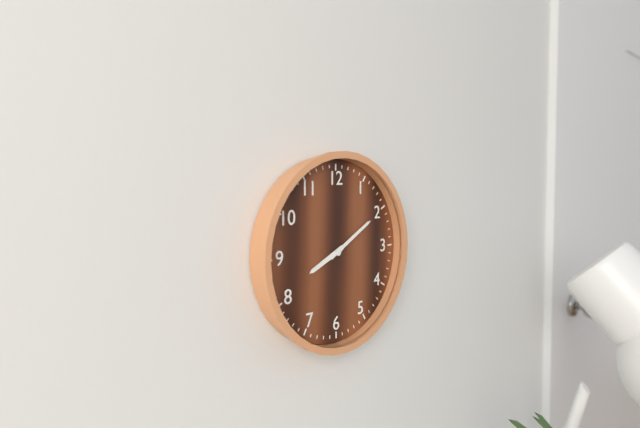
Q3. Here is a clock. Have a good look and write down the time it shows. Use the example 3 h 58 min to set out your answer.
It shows 8 h 10 min
